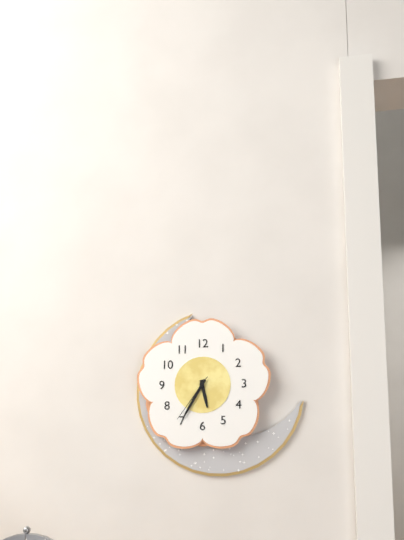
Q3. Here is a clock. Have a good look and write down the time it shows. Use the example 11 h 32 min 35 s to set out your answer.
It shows 5 h 35 min 36 s
